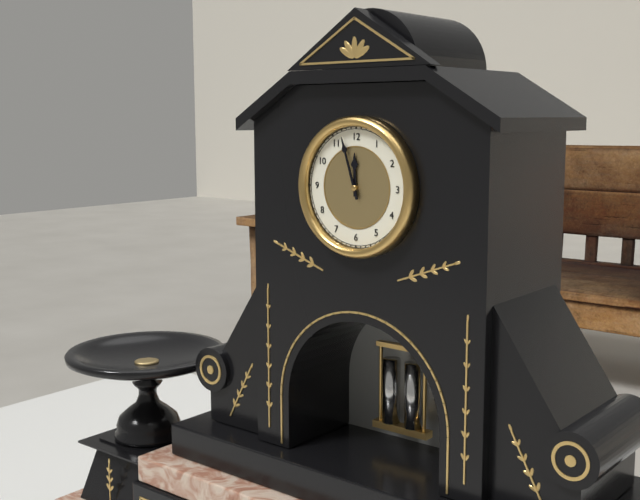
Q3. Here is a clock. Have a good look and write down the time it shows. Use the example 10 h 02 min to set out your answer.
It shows 11 h 57 min
